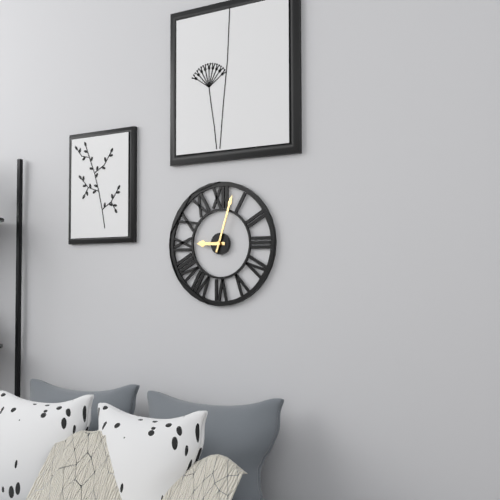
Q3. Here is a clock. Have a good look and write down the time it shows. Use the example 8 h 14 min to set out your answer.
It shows 9 h 03 min
